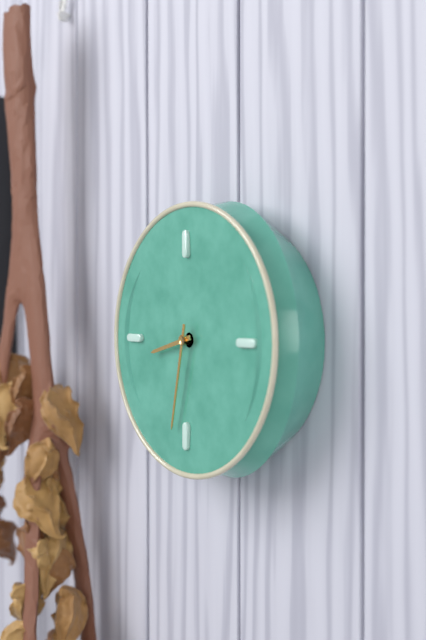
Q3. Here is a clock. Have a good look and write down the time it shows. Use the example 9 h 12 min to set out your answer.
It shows 8 h 32 min
